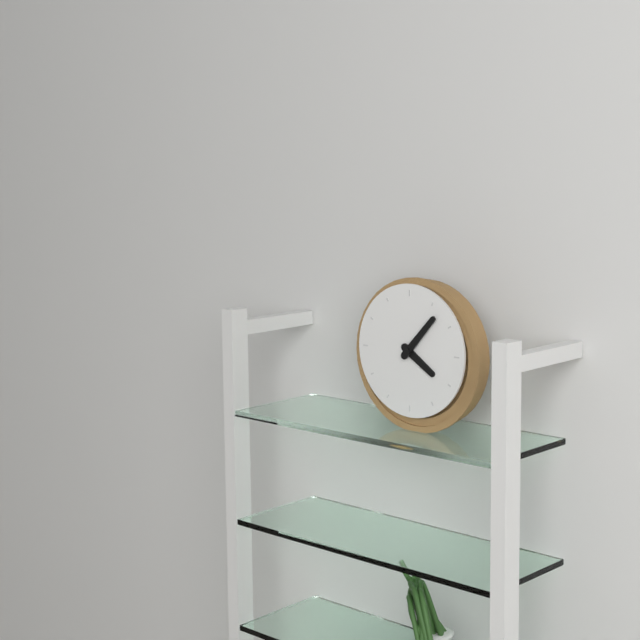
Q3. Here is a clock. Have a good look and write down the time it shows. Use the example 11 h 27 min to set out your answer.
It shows 4 h 07 min
